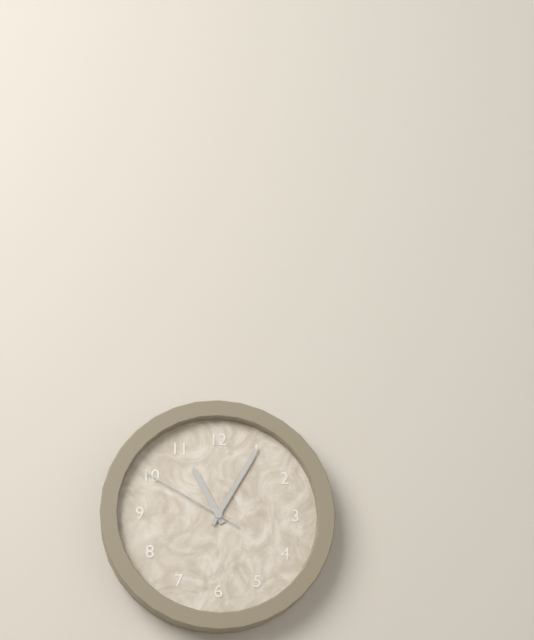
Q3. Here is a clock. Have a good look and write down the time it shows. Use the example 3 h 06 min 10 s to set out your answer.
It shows 11 h 05 min 50 s
